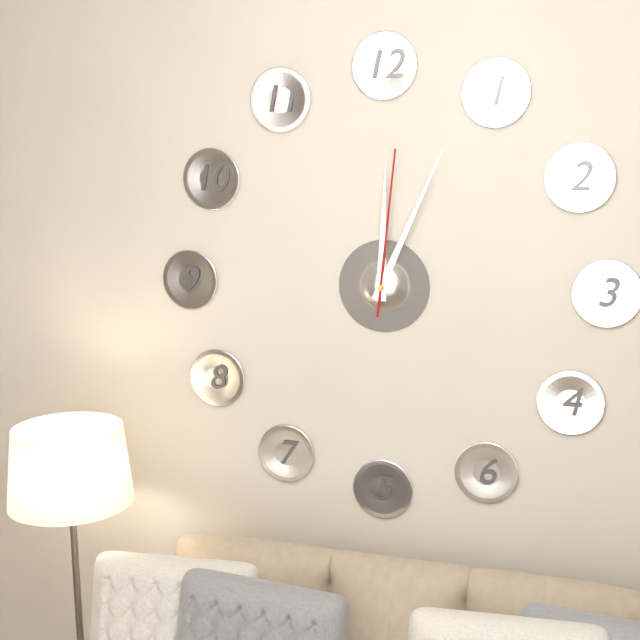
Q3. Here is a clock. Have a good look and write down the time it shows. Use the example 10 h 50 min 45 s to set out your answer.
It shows 12 h 04 min 01 s
